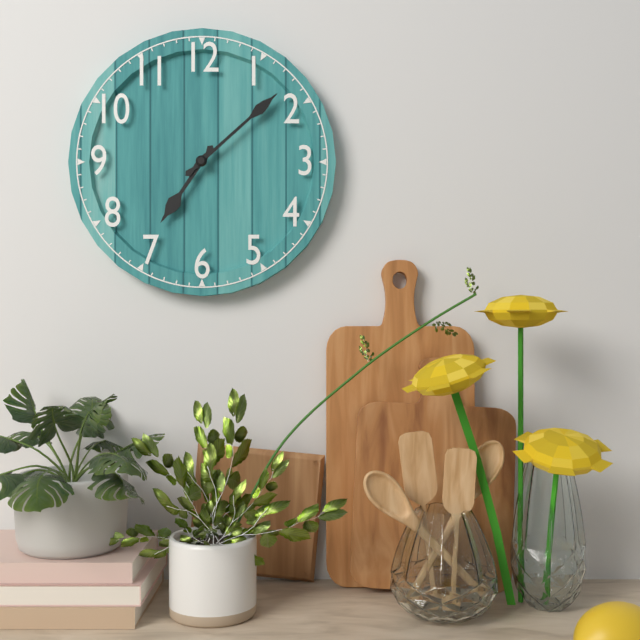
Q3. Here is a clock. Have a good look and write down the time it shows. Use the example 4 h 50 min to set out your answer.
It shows 7 h 08 min
